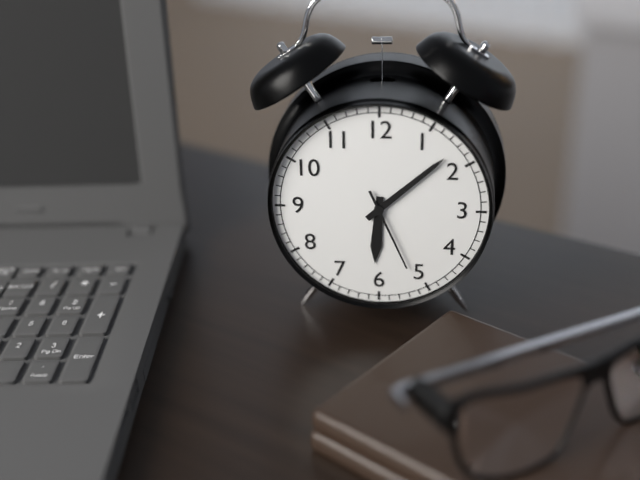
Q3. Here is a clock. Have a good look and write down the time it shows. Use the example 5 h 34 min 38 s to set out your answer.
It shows 6 h 08 min 26 s
